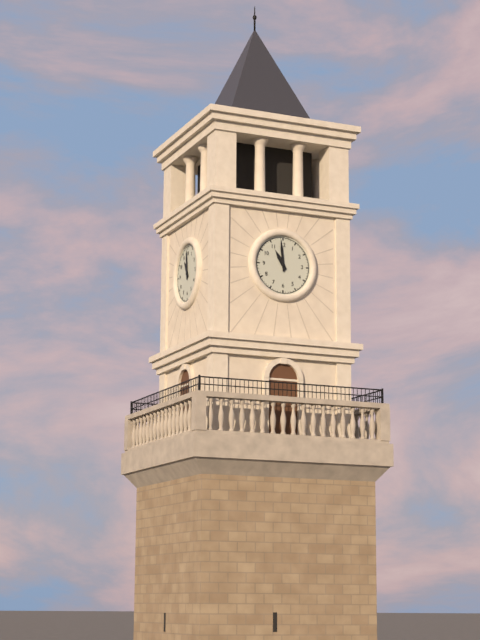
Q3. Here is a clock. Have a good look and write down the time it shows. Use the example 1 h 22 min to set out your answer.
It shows 10 h 59 min
